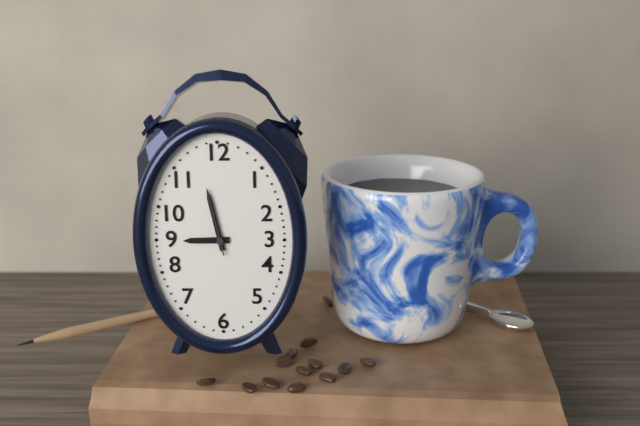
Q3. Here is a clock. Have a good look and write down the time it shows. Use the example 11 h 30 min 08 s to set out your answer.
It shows 8 h 58 min 58 s
